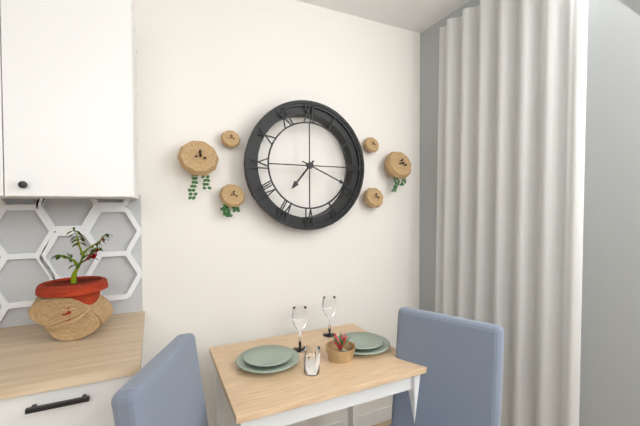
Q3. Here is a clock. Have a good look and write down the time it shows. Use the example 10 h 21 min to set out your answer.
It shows 7 h 19 min
